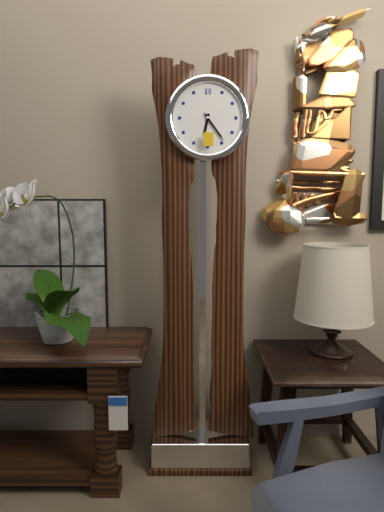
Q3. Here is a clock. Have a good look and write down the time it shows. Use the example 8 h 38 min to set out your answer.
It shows 6 h 24 min
